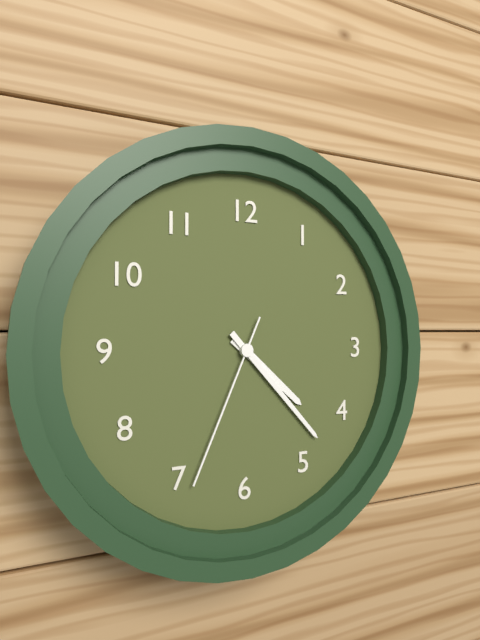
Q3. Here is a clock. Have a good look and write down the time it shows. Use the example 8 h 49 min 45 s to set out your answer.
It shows 4 h 23 min 34 s
